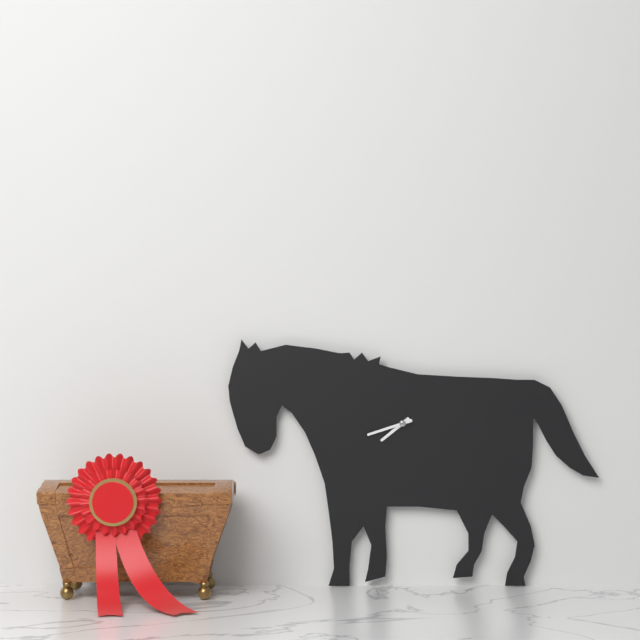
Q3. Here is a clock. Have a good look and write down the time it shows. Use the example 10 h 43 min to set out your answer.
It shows 7 h 42 min
